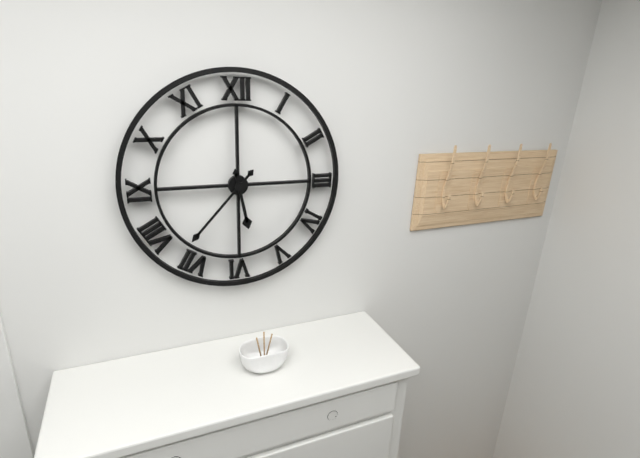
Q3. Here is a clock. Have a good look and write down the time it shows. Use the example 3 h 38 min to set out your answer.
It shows 5 h 37 min
